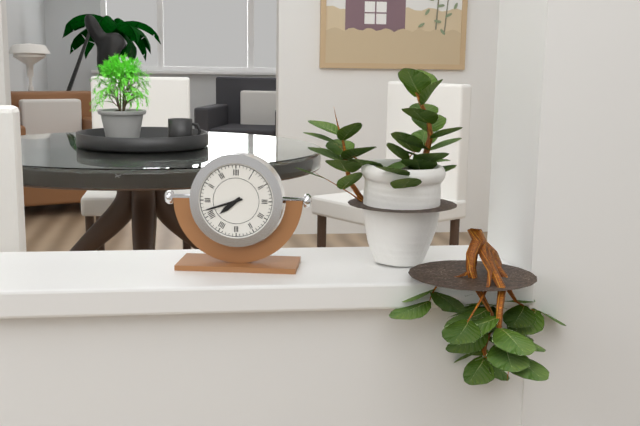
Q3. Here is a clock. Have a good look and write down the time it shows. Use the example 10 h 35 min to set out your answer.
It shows 7 h 42 min
